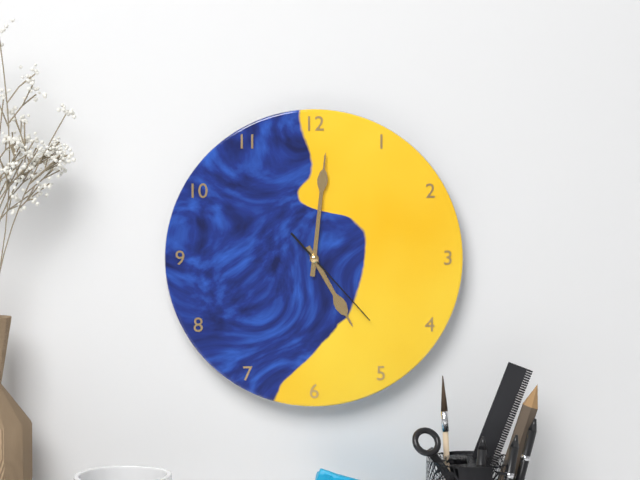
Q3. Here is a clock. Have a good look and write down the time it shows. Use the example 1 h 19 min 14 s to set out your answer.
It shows 5 h 01 min 23 s
